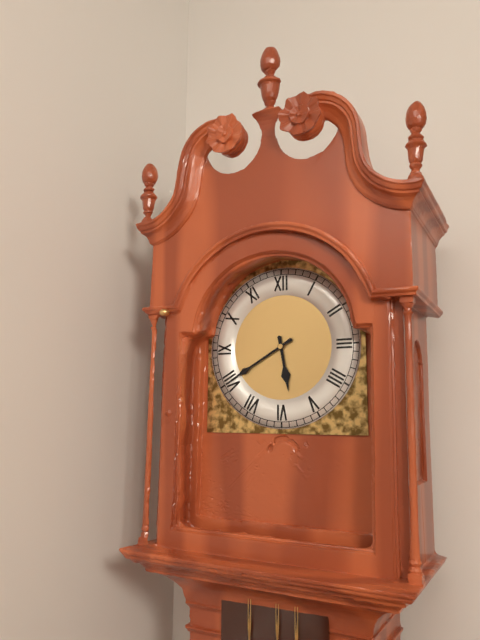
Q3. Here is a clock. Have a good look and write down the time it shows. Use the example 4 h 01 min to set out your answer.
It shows 5 h 40 min
